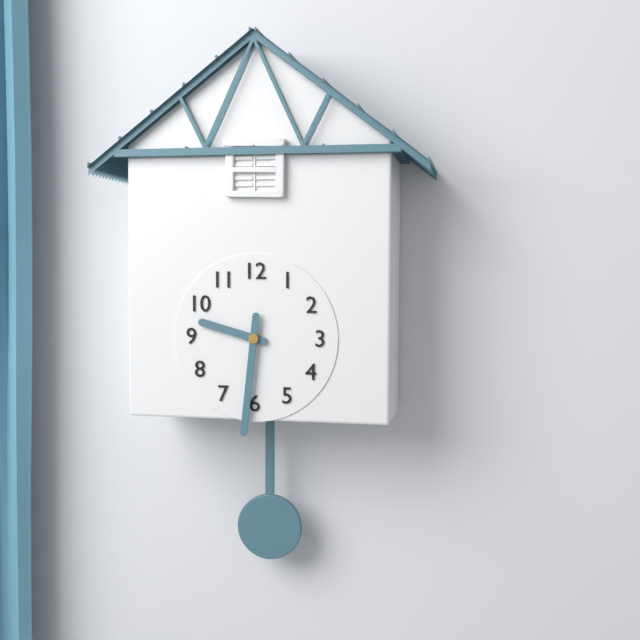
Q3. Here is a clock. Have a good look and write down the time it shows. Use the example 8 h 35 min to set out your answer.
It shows 9 h 31 min
